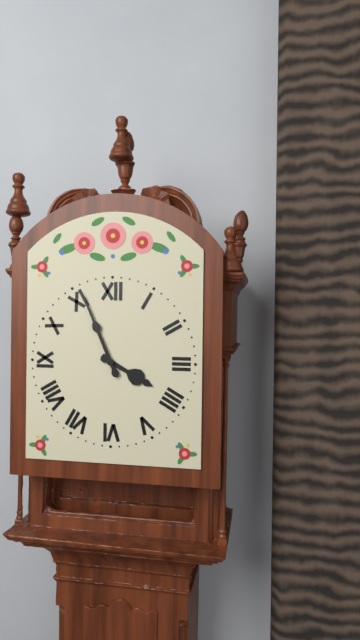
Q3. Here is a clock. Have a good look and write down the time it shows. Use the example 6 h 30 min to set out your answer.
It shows 3 h 56 min
